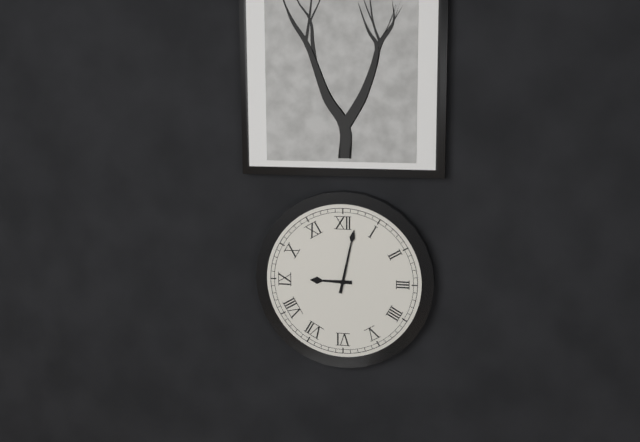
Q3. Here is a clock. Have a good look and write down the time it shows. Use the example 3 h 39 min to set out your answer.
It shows 9 h 02 min
